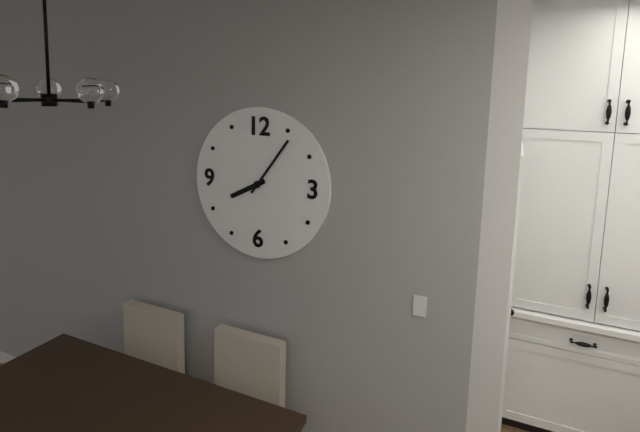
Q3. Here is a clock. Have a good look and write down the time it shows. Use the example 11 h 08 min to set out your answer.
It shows 8 h 06 min
